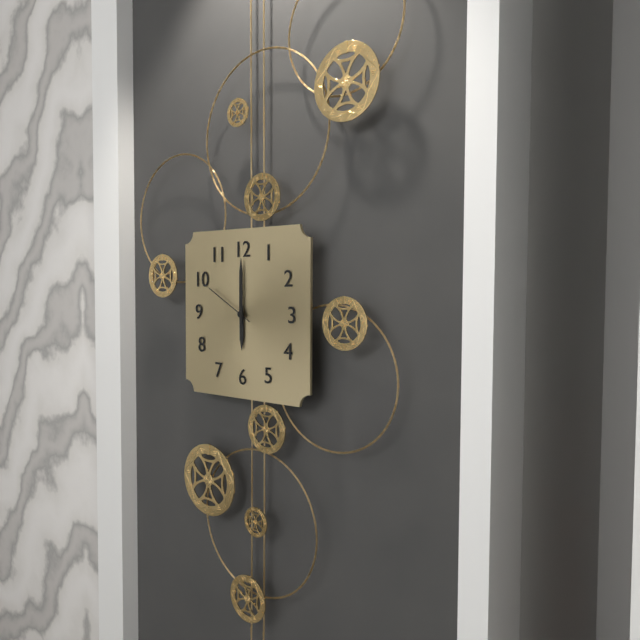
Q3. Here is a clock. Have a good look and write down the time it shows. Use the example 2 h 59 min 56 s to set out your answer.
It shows 6 h 00 min 50 s
